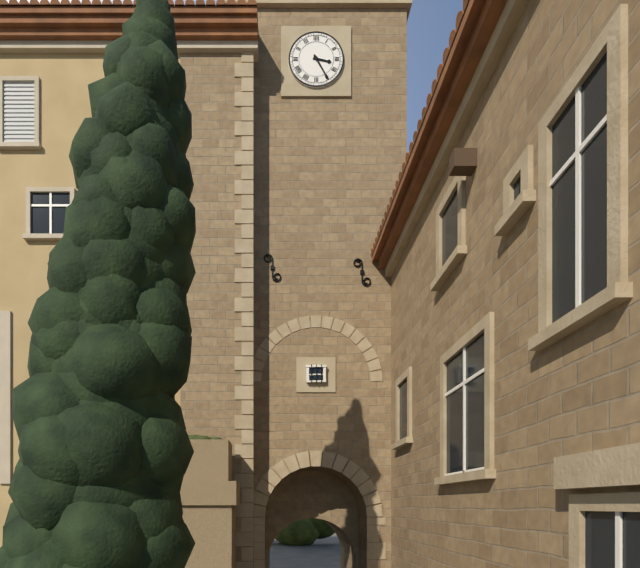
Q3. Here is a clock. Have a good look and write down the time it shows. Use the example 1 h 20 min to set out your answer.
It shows 3 h 25 min
